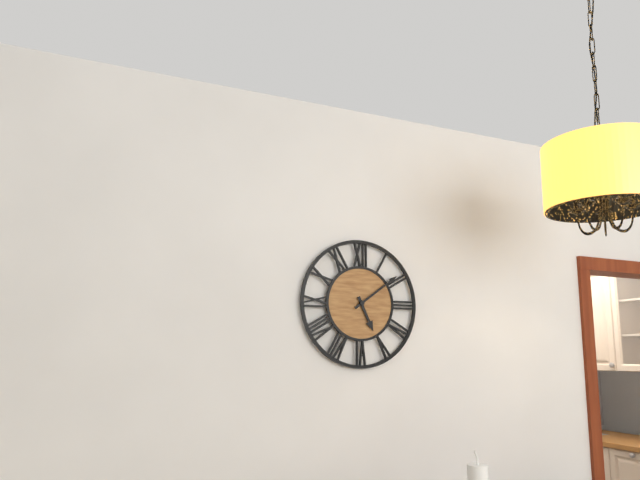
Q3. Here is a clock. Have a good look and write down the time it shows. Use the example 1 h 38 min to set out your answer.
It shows 5 h 09 min
